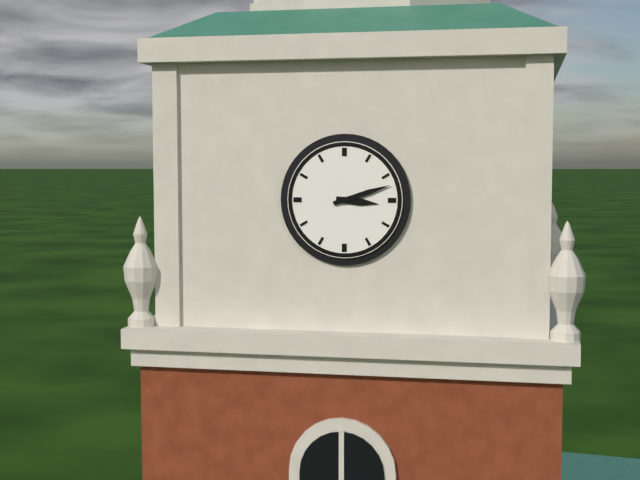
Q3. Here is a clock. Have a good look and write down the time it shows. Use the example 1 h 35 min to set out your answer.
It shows 3 h 12 min
